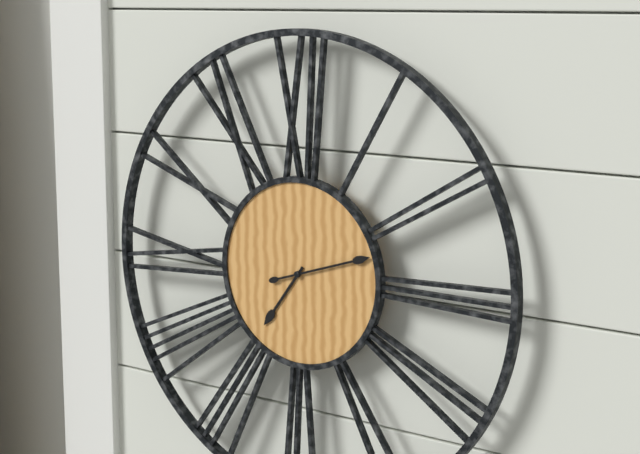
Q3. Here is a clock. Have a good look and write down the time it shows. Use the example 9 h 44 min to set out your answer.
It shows 7 h 12 min
